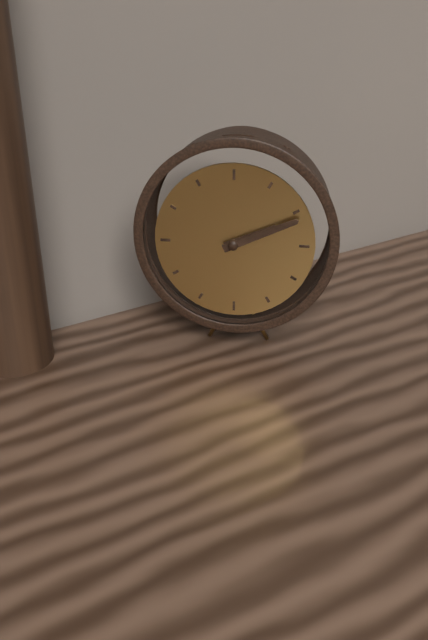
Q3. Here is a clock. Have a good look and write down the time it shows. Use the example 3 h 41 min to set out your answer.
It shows 2 h 11 min
